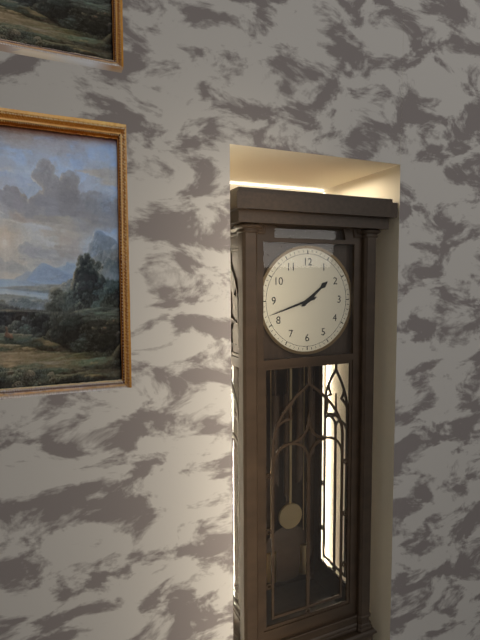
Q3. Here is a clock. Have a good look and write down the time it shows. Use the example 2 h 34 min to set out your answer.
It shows 1 h 42 min
